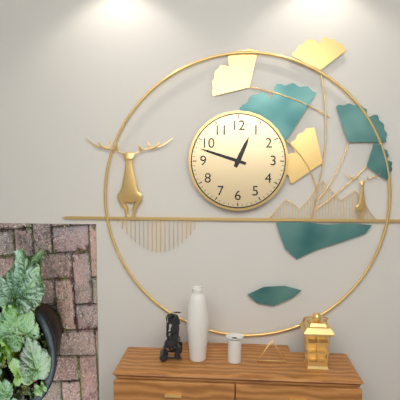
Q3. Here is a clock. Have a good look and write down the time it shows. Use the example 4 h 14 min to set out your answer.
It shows 12 h 48 min
